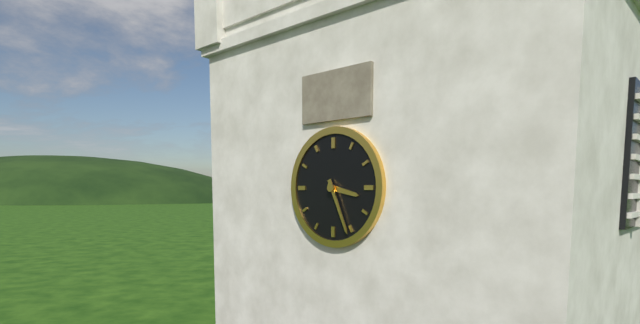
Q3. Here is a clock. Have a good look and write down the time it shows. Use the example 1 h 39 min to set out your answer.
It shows 3 h 26 min
